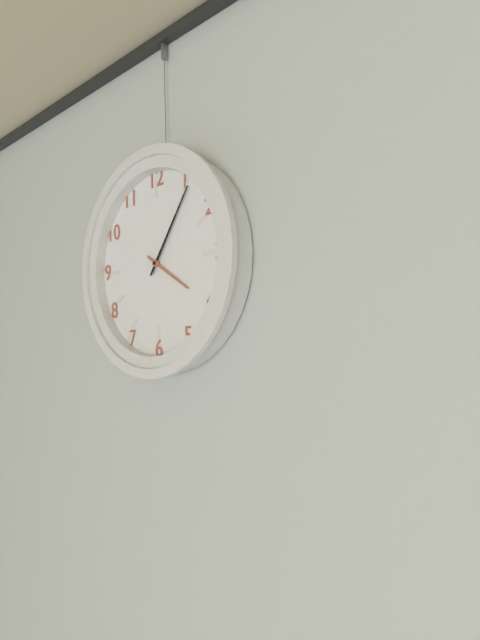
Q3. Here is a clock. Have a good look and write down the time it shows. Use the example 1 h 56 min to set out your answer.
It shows 4 h 06 min
